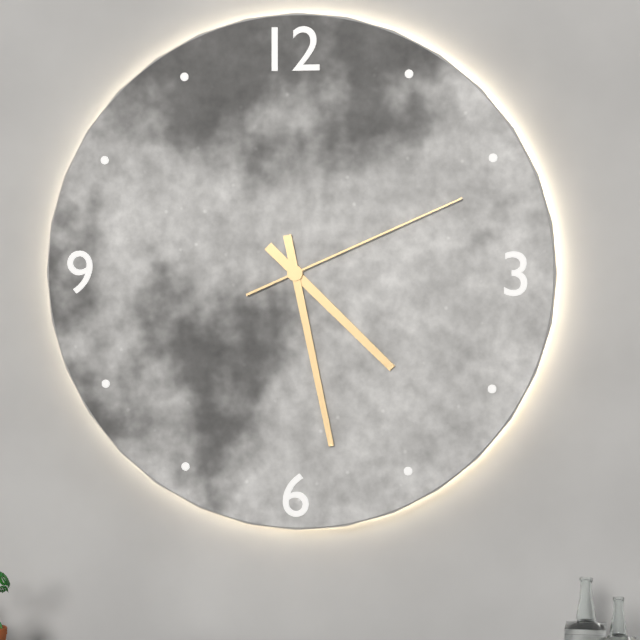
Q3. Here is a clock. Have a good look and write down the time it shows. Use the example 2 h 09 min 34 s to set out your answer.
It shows 4 h 28 min 11 s
